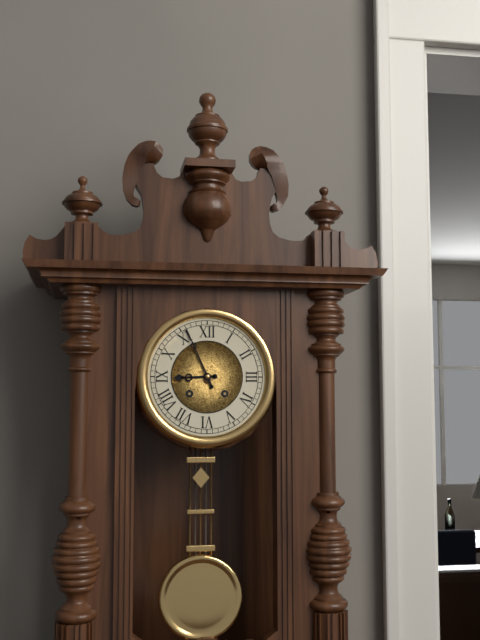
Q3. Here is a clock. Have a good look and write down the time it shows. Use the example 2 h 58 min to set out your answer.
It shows 8 h 56 min
